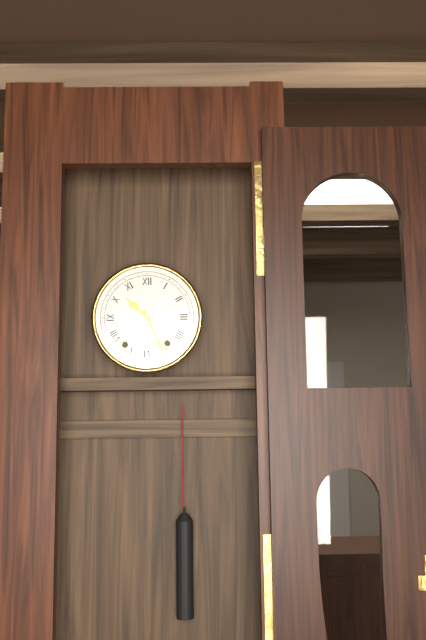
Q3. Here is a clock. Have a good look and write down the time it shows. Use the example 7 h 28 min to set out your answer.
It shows 10 h 26 min
